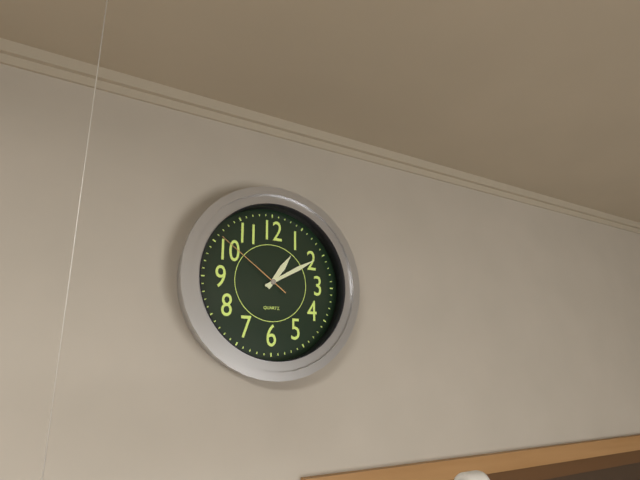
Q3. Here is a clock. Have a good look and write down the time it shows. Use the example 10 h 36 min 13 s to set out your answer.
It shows 1 h 10 min 51 s
